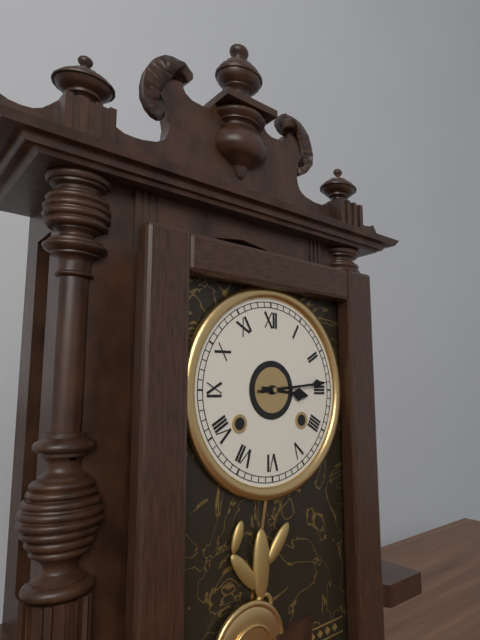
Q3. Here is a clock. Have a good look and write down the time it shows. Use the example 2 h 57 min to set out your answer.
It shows 3 h 14 min
